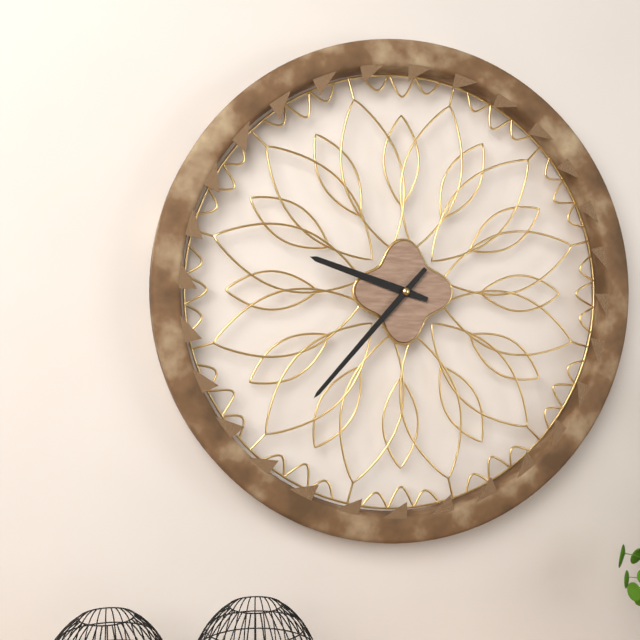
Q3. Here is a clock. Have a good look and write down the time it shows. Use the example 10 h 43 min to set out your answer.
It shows 9 h 37 min
